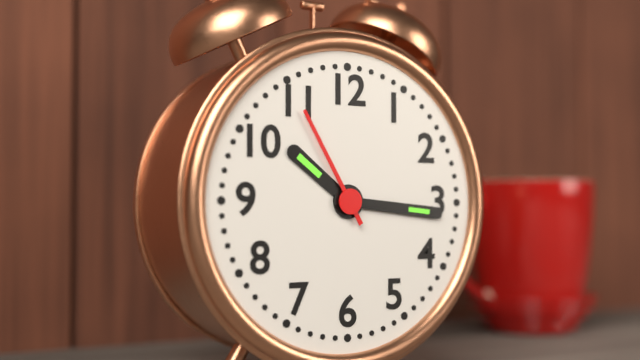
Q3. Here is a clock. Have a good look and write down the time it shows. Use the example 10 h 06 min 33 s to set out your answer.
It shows 10 h 16 min 55 s
